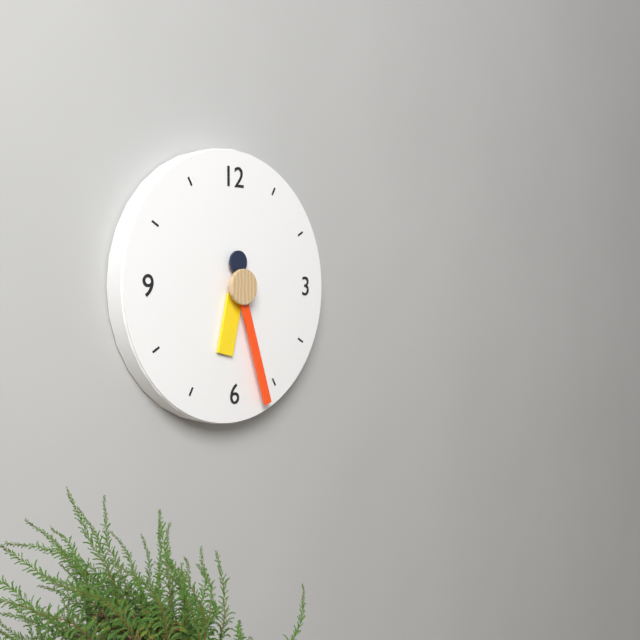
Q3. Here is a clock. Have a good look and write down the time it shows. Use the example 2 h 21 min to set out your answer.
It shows 6 h 27 min
